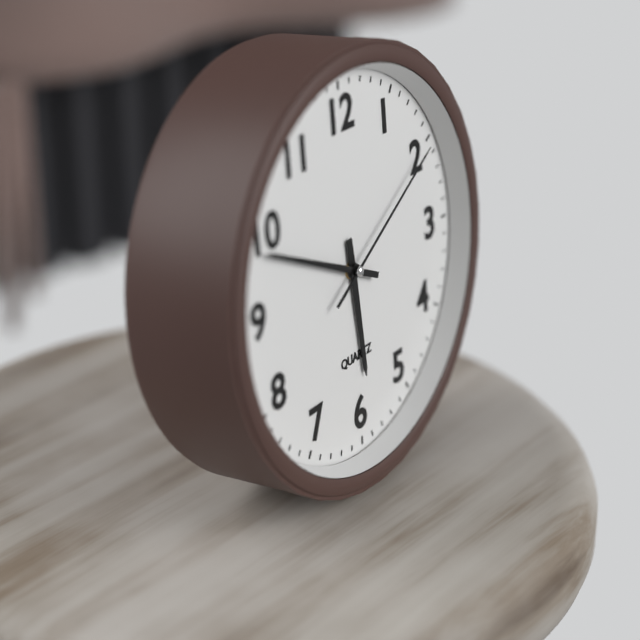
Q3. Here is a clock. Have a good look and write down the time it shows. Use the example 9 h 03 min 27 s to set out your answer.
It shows 5 h 49 min 10 s
